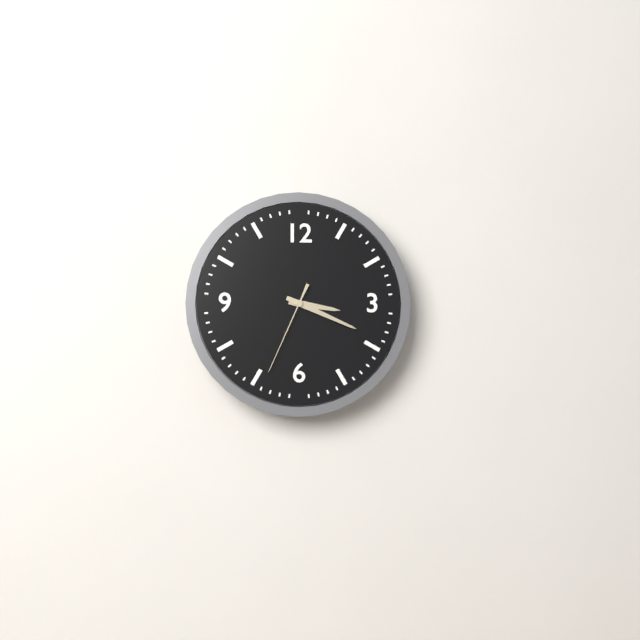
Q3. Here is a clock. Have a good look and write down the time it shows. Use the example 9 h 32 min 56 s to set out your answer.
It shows 3 h 19 min 34 s
